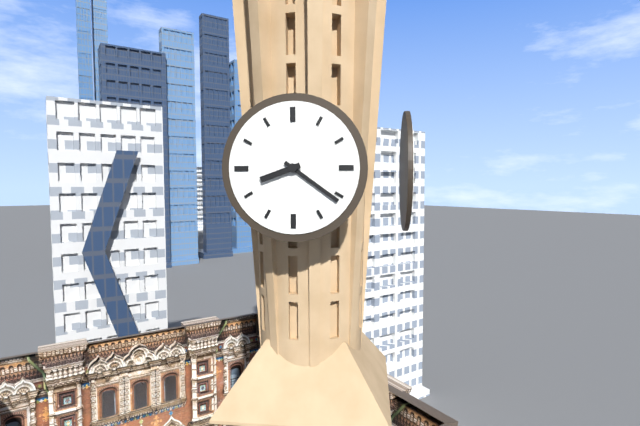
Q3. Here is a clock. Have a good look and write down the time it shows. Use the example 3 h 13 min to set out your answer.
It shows 8 h 21 min
